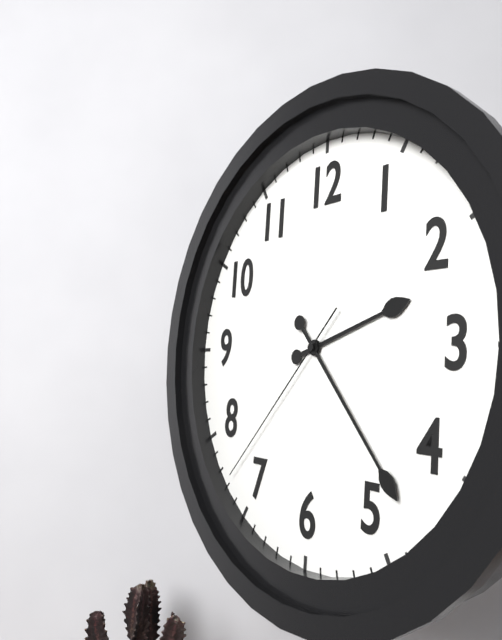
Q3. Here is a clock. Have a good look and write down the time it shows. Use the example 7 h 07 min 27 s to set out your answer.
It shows 2 h 23 min 37 s
